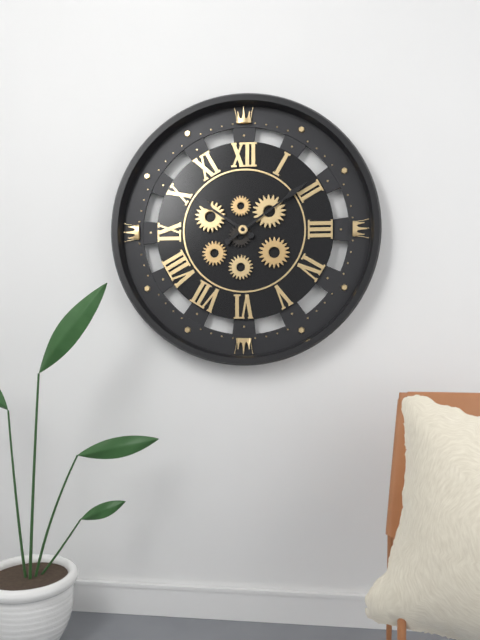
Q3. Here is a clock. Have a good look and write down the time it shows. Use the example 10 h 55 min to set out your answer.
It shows 10 h 09 min
